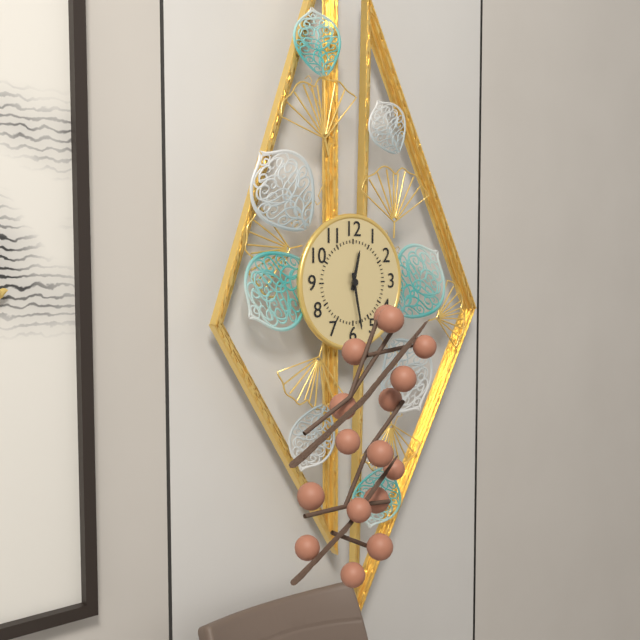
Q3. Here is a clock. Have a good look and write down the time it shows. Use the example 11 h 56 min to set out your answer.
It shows 12 h 28 min
